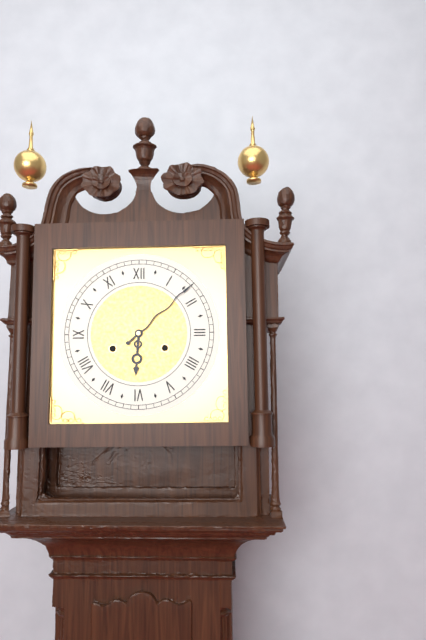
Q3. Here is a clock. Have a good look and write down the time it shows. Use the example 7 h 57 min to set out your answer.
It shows 6 h 08 min
